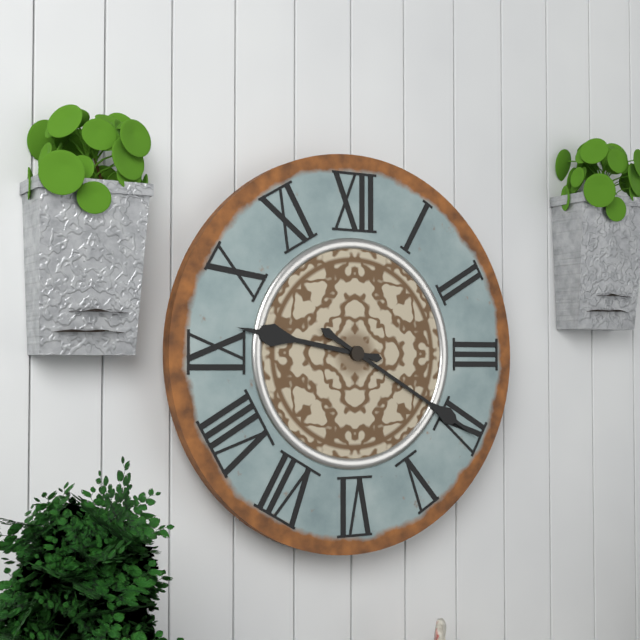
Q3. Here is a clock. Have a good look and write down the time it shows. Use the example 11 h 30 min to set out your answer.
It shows 9 h 20 min
